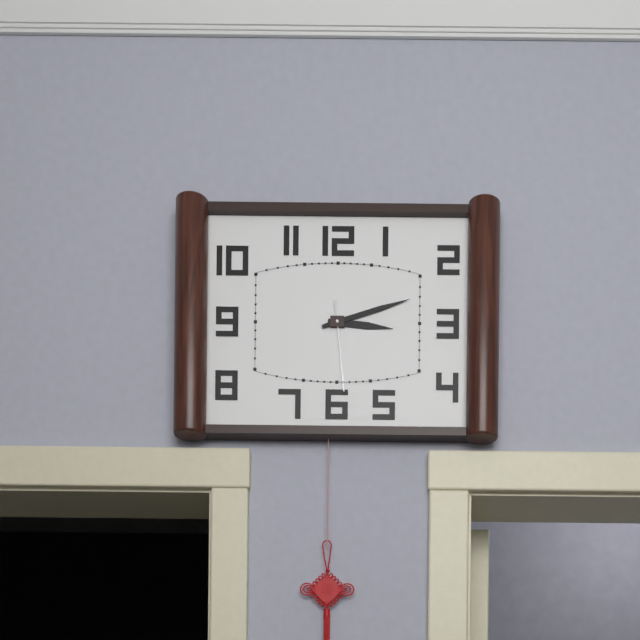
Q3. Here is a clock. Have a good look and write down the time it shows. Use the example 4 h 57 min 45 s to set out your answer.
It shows 3 h 12 min 29 s
